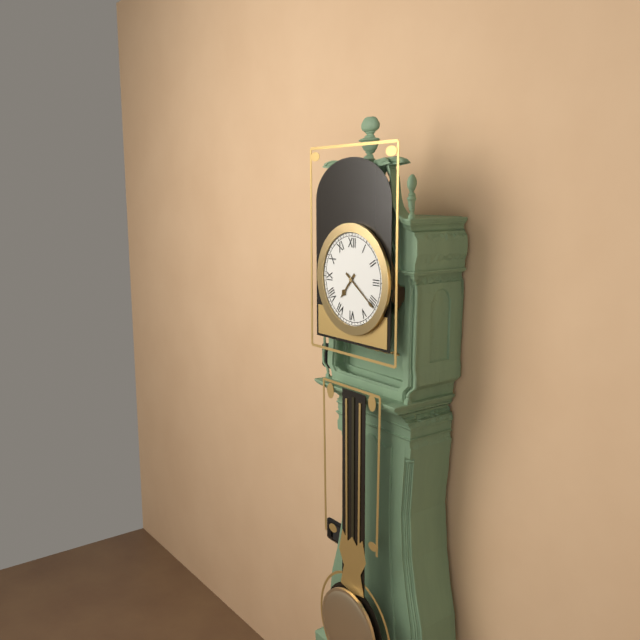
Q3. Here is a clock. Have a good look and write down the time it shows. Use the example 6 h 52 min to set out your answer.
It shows 7 h 21 min
